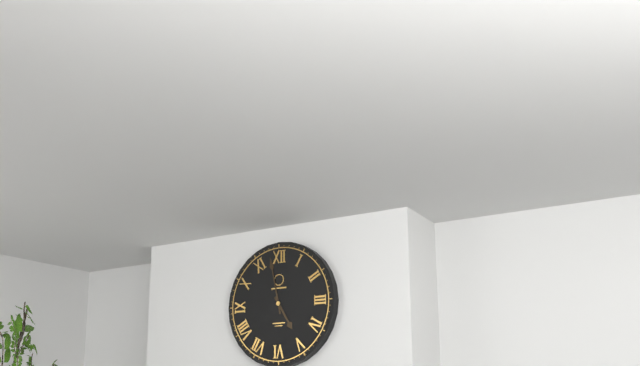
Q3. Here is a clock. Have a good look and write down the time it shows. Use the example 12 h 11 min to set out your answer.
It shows 4 h 58 min
